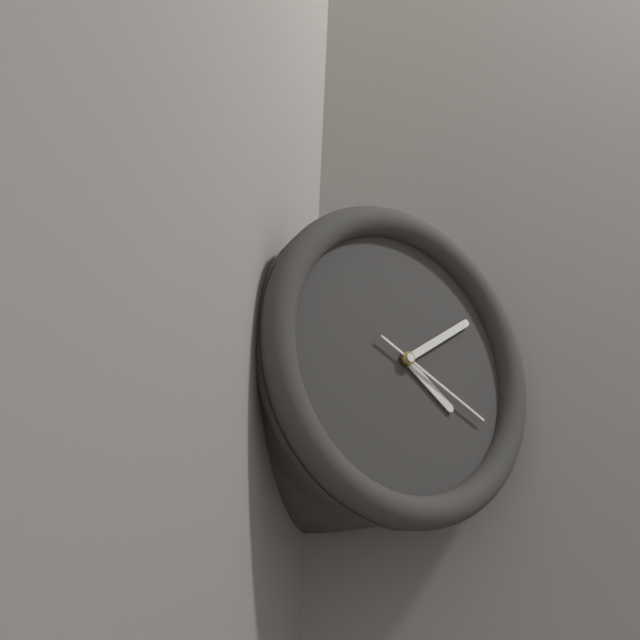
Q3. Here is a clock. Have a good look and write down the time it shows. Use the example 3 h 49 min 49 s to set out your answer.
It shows 4 h 09 min 19 s
